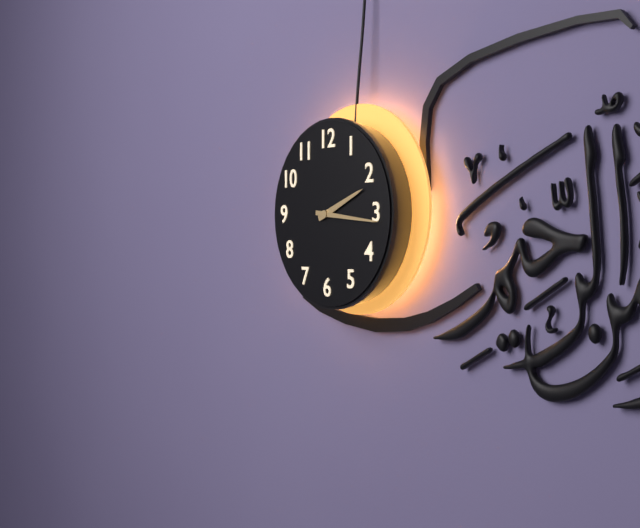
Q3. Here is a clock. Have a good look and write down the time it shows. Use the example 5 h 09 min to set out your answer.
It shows 2 h 16 min
